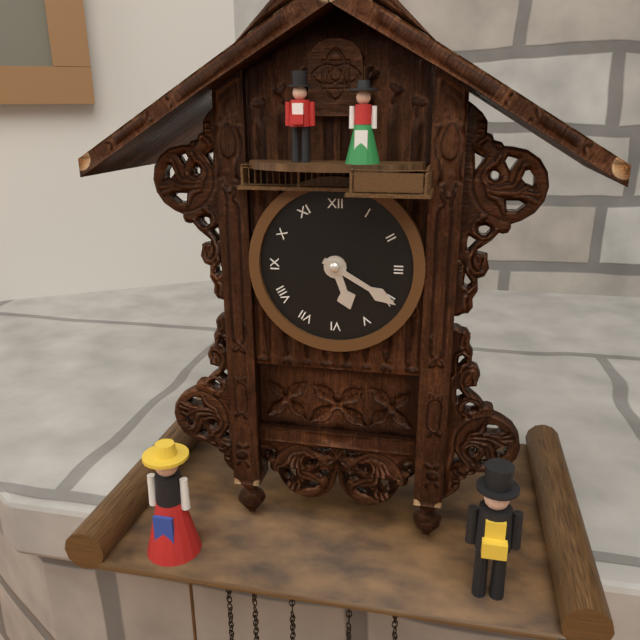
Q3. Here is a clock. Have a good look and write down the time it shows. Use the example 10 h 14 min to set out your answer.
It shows 5 h 20 min
